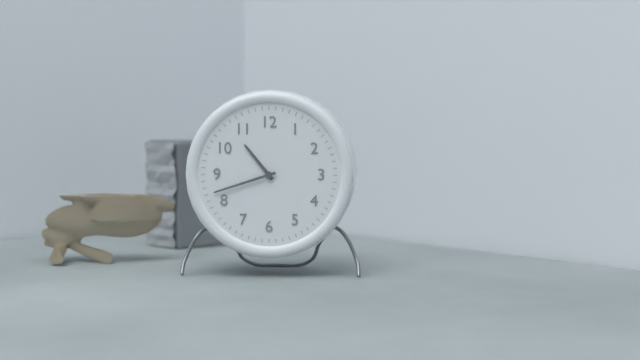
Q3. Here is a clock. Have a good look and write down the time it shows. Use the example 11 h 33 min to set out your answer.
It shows 10 h 42 min
